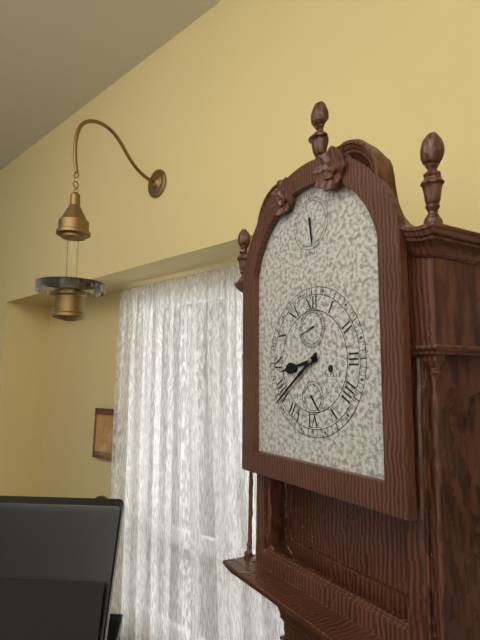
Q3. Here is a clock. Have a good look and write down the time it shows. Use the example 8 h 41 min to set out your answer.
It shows 8 h 39 min
